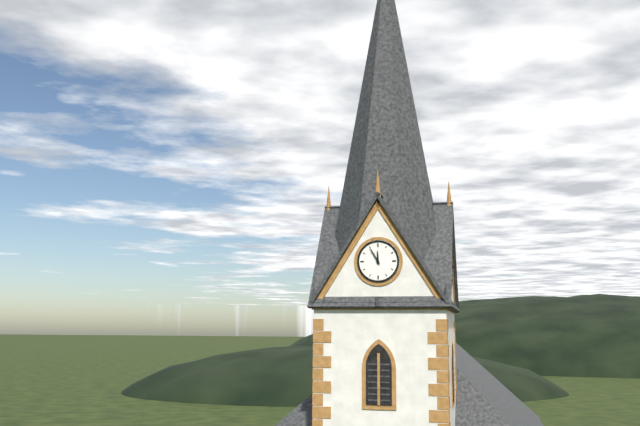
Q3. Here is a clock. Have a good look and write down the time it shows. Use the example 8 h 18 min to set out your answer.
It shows 11 h 55 min
